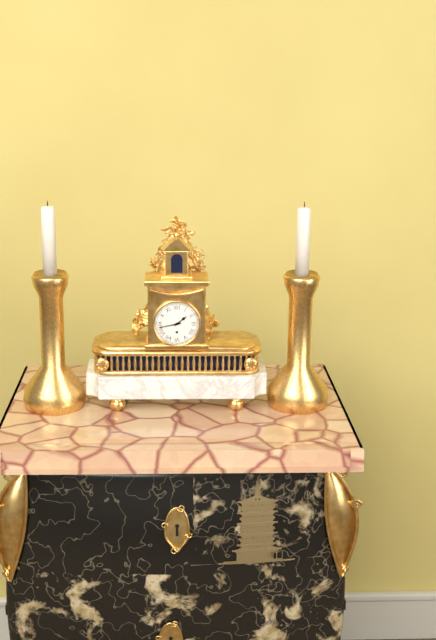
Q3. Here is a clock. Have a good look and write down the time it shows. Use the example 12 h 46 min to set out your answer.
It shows 1 h 43 min
